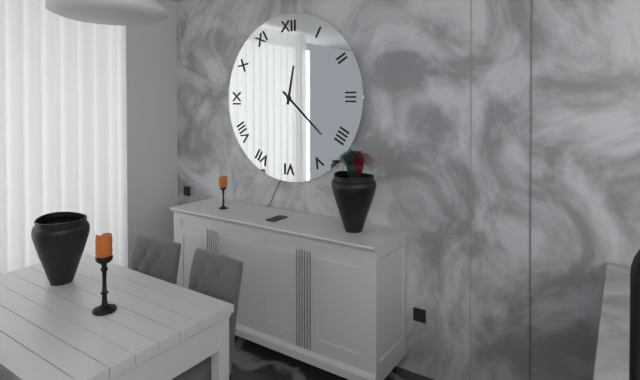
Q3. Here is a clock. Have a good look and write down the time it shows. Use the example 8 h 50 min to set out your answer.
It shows 12 h 22 min
